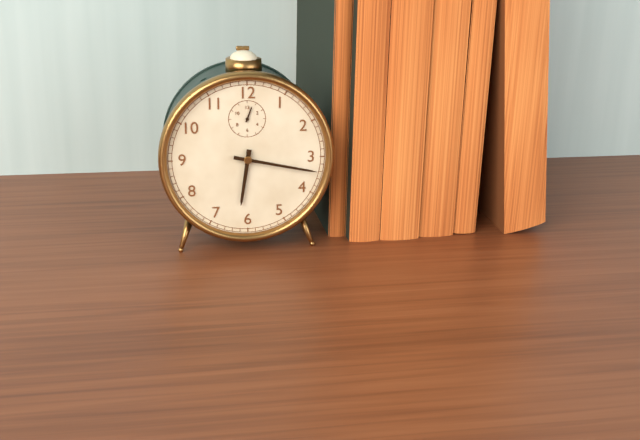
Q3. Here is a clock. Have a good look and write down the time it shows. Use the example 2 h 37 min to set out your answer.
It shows 6 h 17 min
